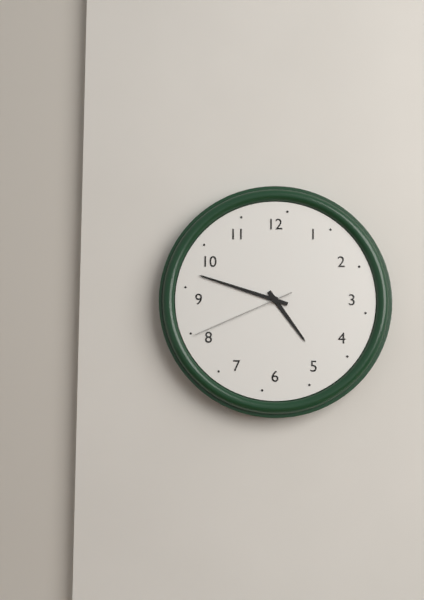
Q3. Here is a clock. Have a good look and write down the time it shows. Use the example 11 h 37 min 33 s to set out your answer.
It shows 4 h 48 min 41 s
